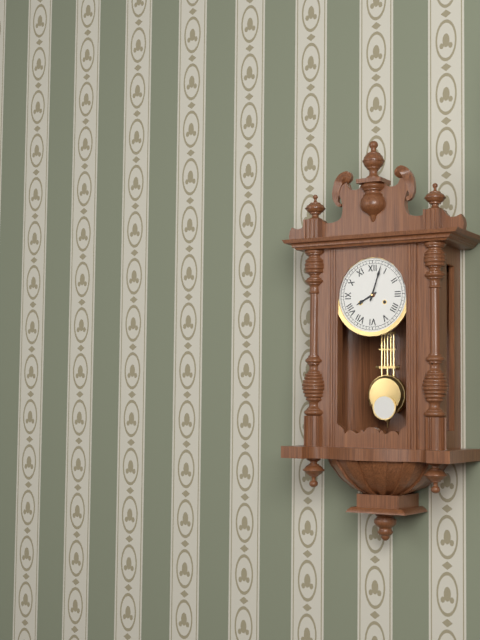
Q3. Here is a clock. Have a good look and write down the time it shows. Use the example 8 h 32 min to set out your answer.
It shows 8 h 03 min
